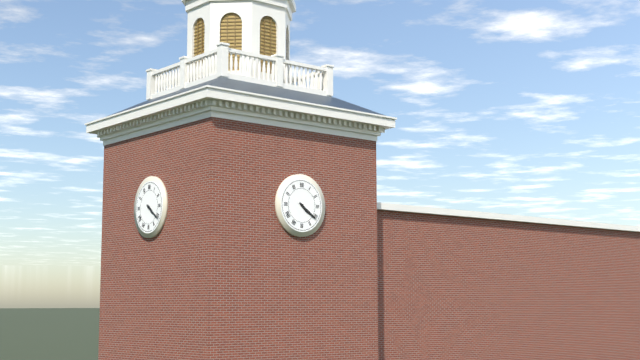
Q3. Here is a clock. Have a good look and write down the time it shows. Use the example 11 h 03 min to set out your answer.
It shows 4 h 21 min
